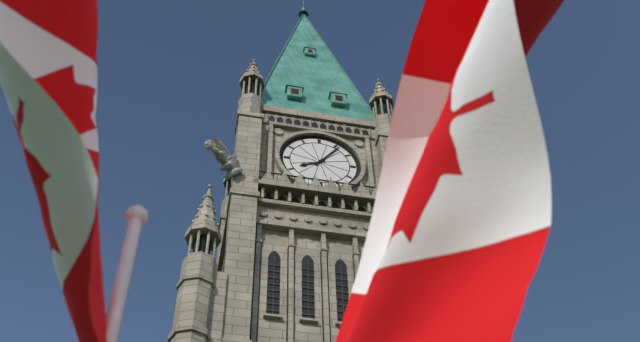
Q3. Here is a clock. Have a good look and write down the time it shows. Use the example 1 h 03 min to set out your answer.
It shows 8 h 06 min
